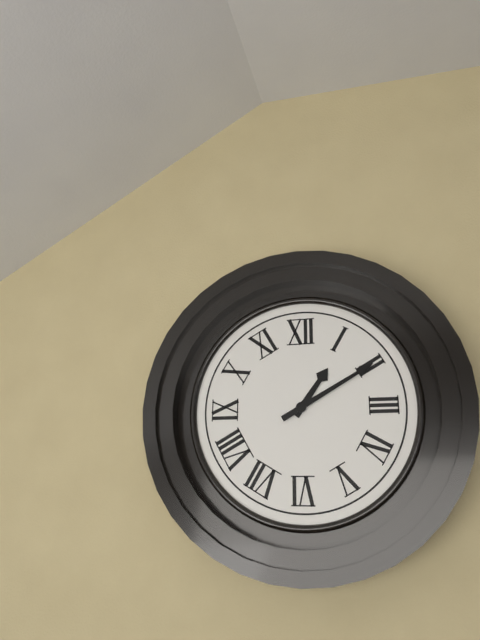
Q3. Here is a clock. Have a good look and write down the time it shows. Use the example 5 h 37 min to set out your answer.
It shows 1 h 10 min
